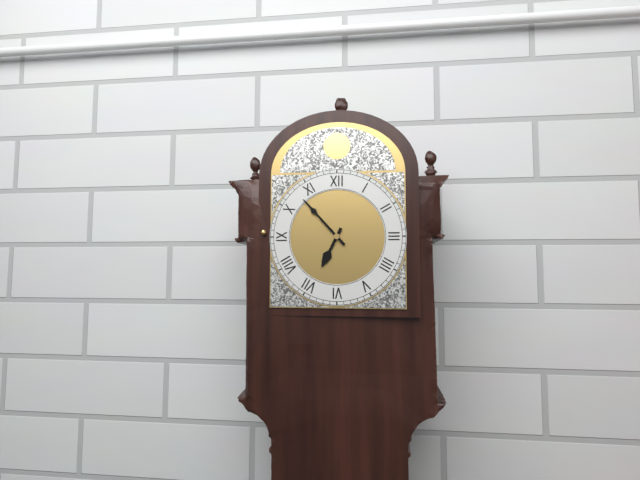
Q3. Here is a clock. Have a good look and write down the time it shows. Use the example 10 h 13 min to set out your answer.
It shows 6 h 53 min
